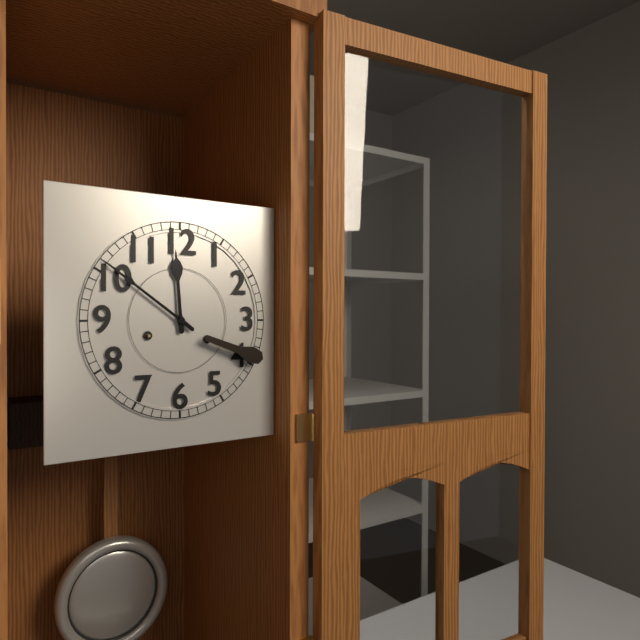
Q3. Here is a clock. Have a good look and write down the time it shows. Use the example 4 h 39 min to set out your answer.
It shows 11 h 51 min
